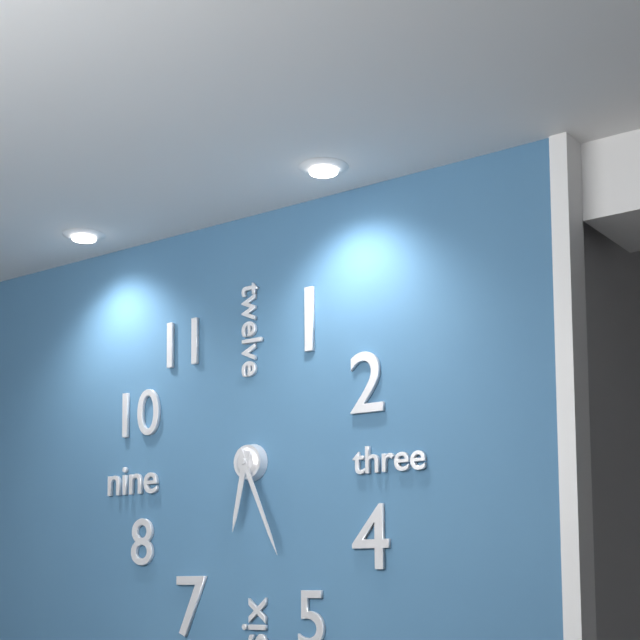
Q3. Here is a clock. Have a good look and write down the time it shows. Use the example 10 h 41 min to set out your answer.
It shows 6 h 26 min
